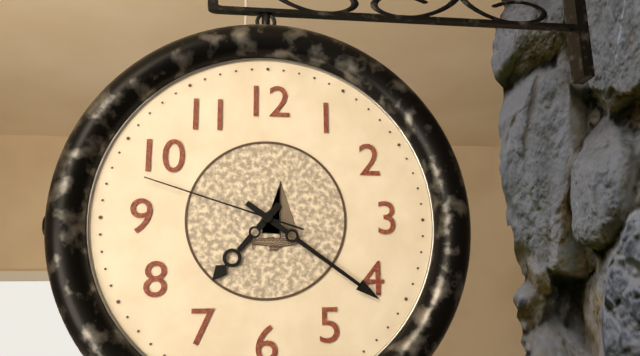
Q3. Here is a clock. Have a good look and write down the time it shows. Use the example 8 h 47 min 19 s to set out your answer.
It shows 7 h 21 min 48 s
